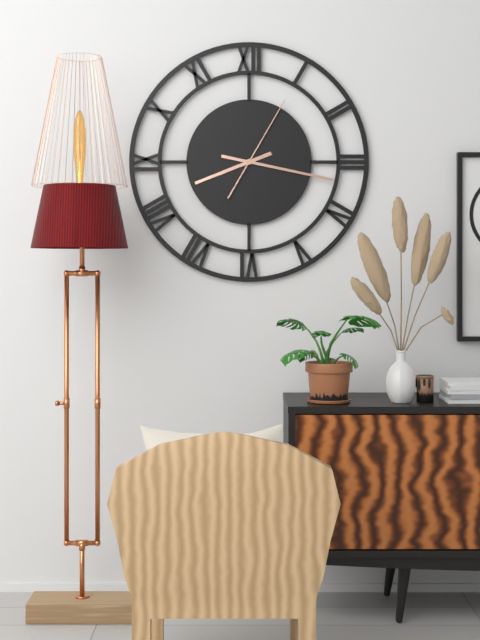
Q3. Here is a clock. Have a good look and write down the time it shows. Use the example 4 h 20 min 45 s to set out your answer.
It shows 8 h 17 min 05 s
